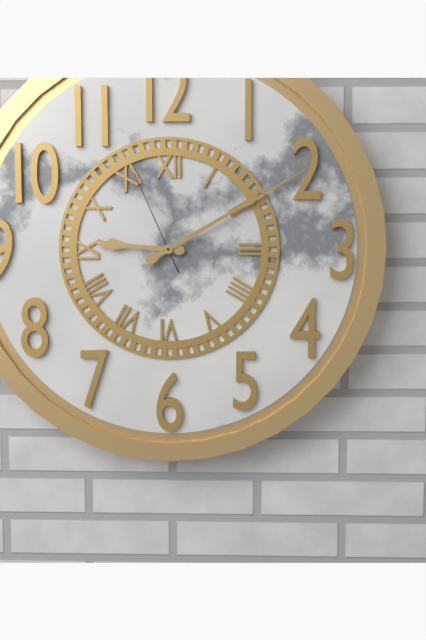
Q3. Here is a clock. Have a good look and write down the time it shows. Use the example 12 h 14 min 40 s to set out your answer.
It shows 9 h 10 min 56 s
